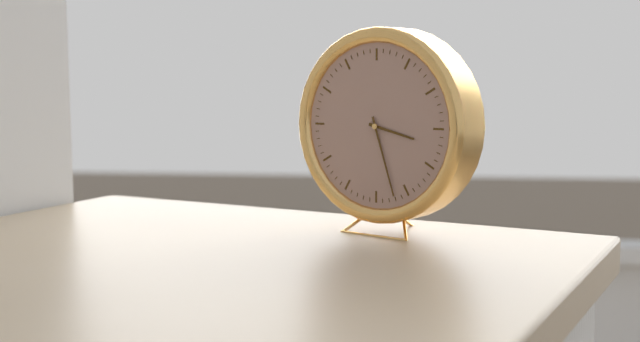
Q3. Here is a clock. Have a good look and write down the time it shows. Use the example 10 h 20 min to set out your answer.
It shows 3 h 27 min
